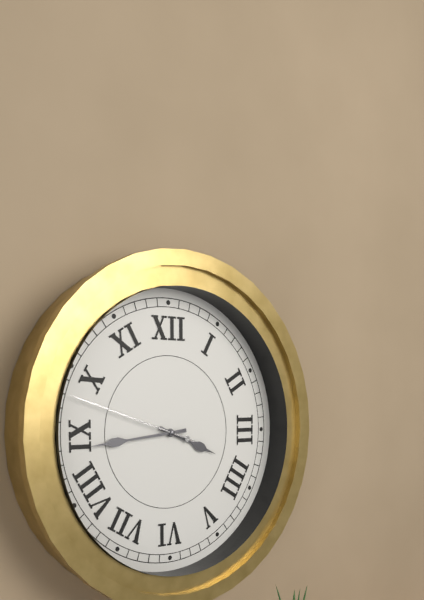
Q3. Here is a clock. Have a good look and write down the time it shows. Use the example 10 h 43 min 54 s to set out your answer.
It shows 3 h 44 min 48 s
